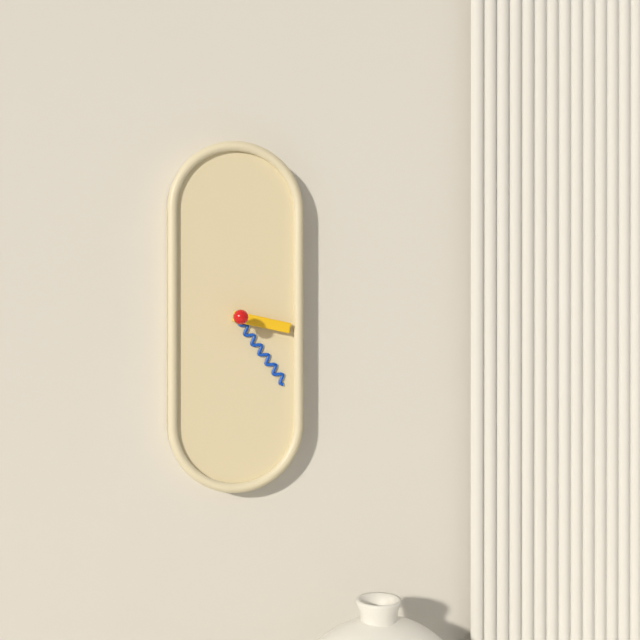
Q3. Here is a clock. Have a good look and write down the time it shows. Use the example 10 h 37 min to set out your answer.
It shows 3 h 24 min
